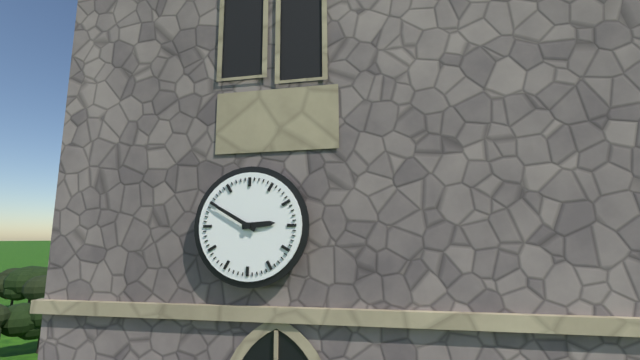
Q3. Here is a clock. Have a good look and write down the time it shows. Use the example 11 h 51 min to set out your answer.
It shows 2 h 50 min
